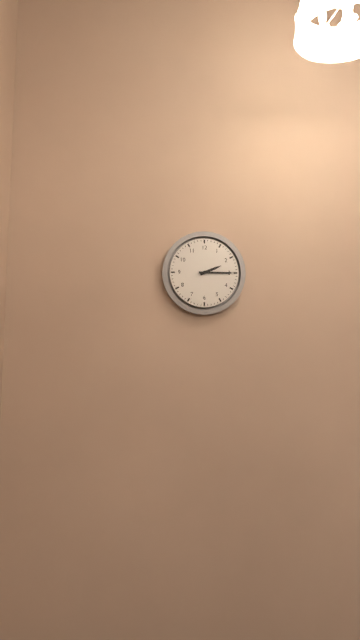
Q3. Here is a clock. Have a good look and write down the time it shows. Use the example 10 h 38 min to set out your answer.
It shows 2 h 15 min
